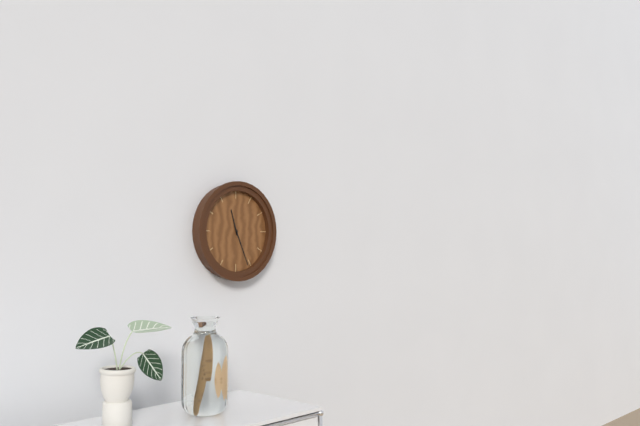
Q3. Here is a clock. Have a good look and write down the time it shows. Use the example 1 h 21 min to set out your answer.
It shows 11 h 26 min
